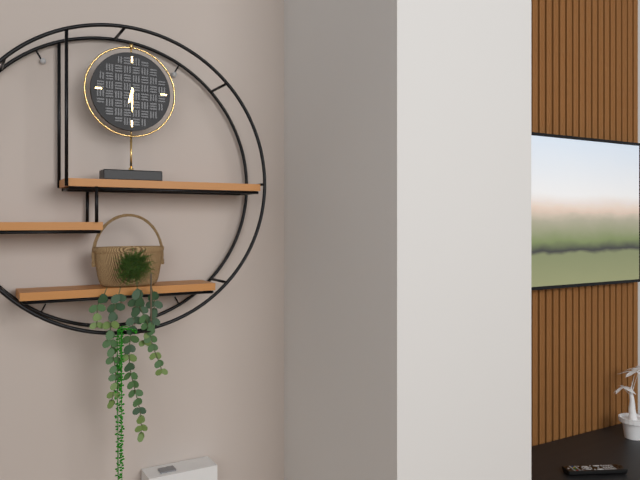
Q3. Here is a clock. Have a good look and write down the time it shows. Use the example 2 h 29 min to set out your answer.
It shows 6 h 30 min
